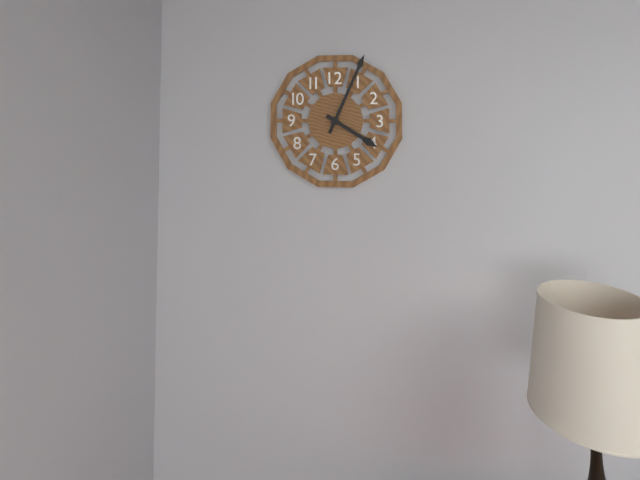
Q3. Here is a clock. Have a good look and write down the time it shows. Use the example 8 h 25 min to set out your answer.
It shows 4 h 04 min
